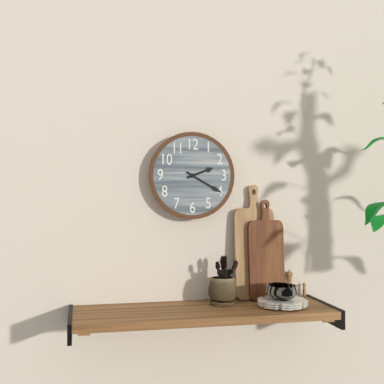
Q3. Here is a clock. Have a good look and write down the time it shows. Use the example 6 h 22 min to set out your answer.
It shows 2 h 20 min
